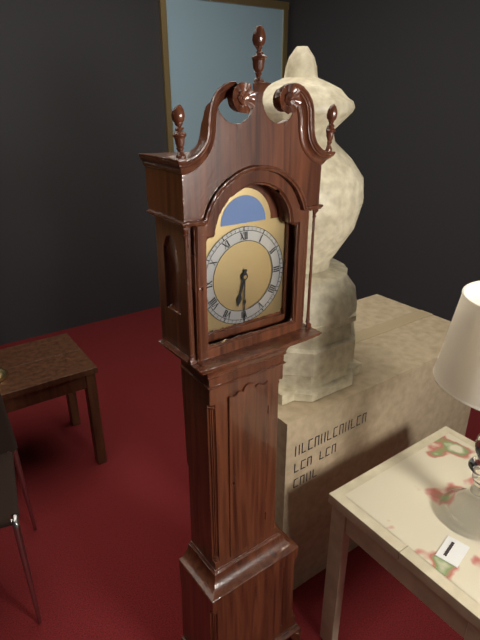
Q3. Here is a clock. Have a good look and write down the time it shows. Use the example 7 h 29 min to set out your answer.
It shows 6 h 30 min
